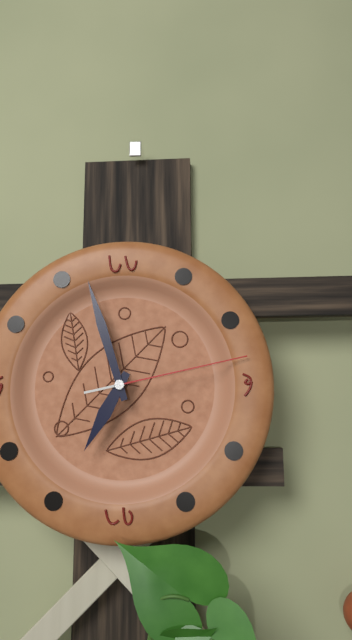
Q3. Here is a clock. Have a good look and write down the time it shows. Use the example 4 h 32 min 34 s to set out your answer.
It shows 6 h 57 min 13 s
